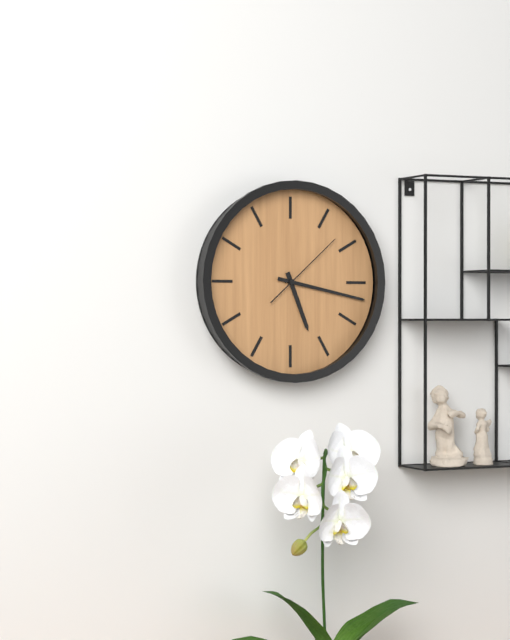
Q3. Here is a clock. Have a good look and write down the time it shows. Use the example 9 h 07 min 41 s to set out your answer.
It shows 5 h 17 min 08 s
